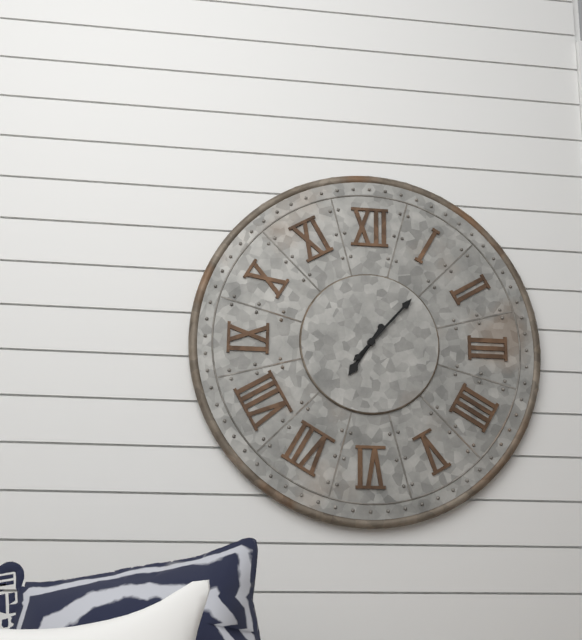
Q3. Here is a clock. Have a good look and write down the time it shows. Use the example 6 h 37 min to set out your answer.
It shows 7 h 07 min
